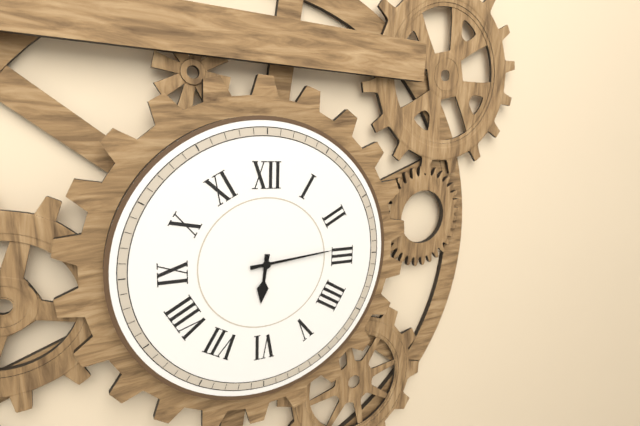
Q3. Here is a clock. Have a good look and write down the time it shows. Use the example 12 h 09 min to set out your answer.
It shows 6 h 14 min
